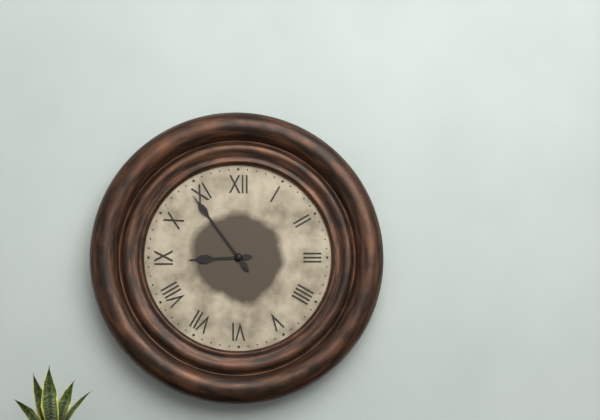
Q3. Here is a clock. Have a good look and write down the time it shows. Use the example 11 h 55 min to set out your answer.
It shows 8 h 54 min
